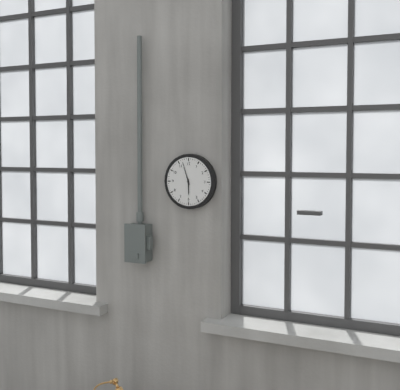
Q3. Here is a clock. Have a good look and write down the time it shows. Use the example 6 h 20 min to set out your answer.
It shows 5 h 57 min
